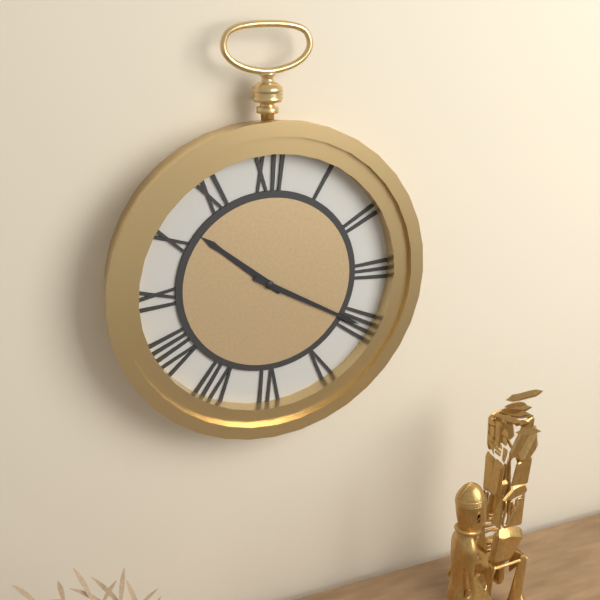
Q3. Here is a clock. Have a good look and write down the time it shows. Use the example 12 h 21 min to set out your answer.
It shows 10 h 20 min
